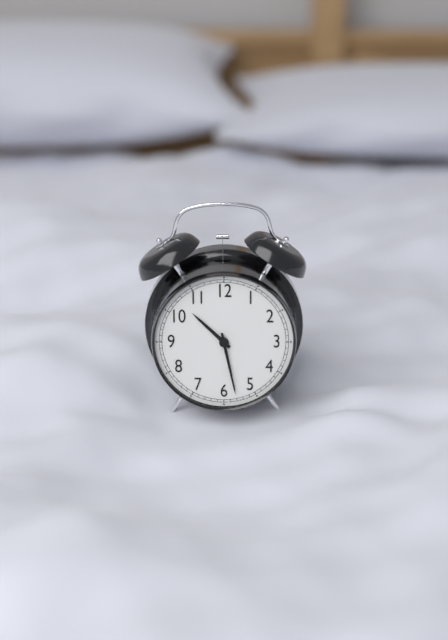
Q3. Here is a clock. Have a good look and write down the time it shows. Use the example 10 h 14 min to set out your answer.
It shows 10 h 28 min
